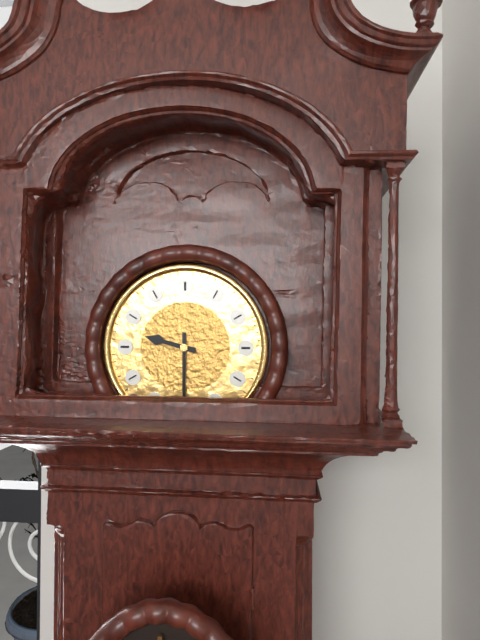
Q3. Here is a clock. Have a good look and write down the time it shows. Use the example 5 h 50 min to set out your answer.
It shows 9 h 30 min
